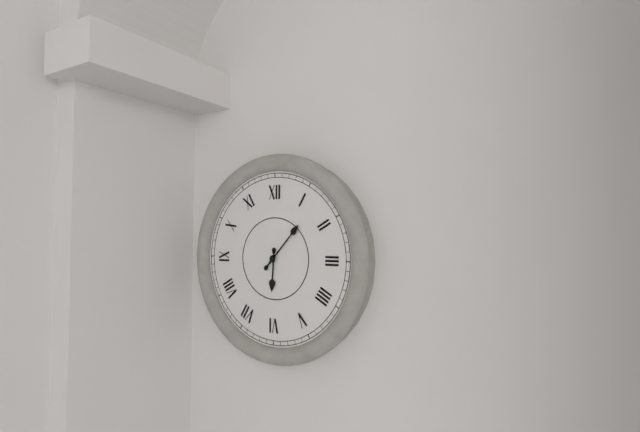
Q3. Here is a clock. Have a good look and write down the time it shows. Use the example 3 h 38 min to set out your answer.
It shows 6 h 07 min
